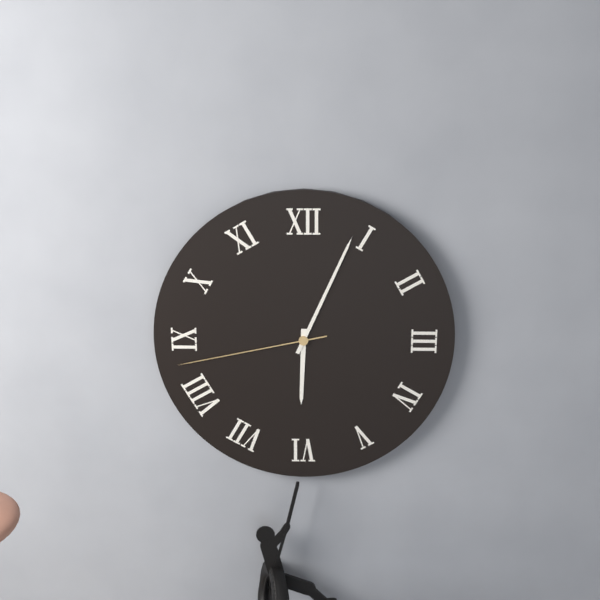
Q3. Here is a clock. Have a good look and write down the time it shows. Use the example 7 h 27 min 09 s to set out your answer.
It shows 6 h 04 min 43 s
